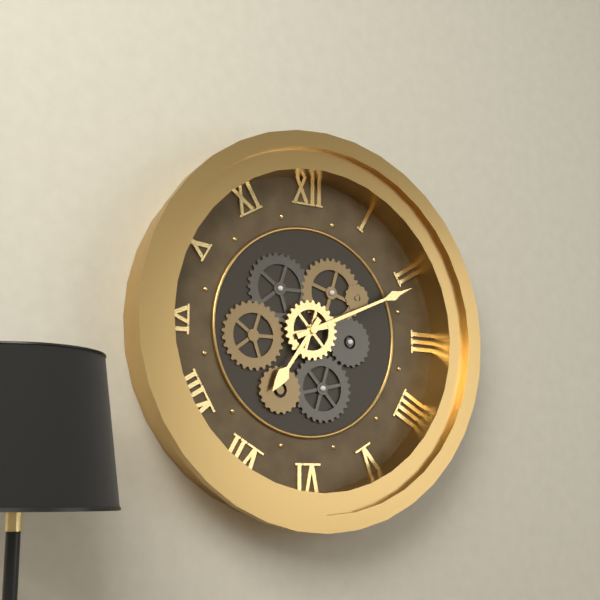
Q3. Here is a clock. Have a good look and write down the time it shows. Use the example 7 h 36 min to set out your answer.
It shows 7 h 11 min
